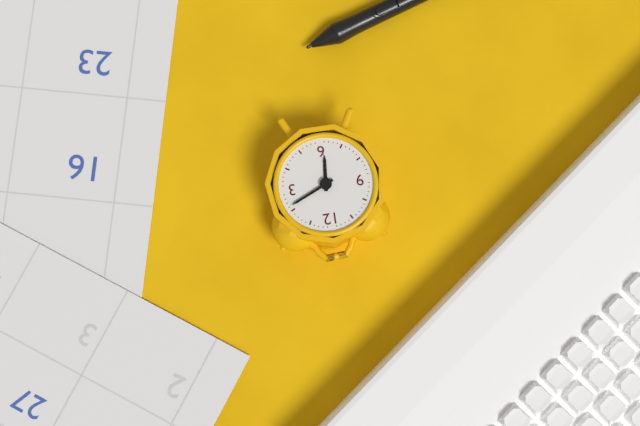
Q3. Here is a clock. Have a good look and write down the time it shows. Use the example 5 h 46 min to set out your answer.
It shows 6 h 11 min
